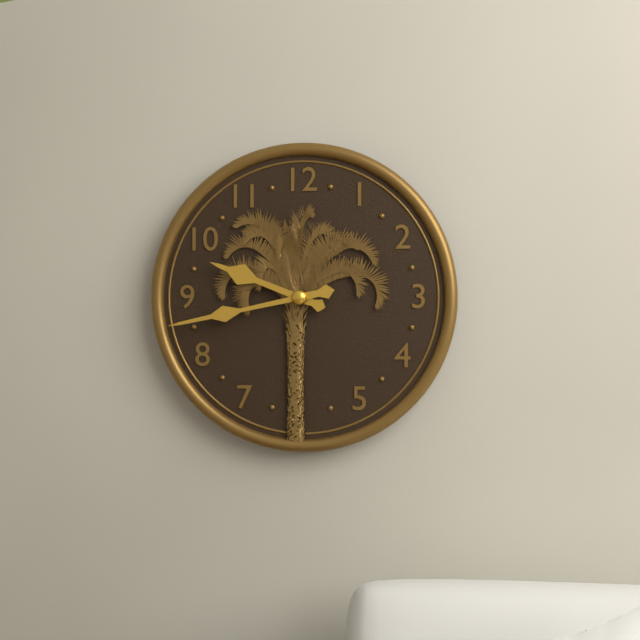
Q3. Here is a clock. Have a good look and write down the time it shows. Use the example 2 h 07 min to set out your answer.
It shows 9 h 43 min
